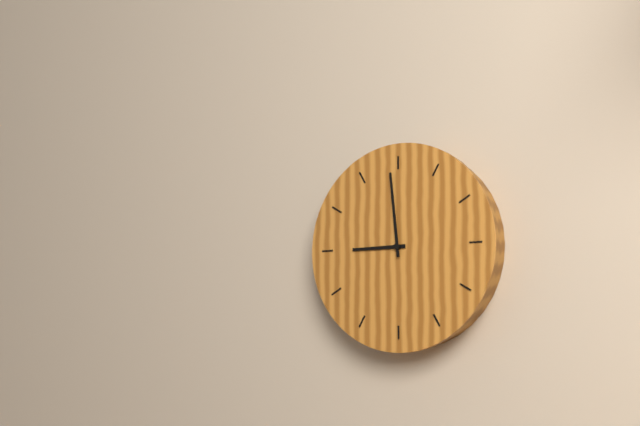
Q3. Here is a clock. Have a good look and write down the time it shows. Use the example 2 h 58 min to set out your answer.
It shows 8 h 59 min
